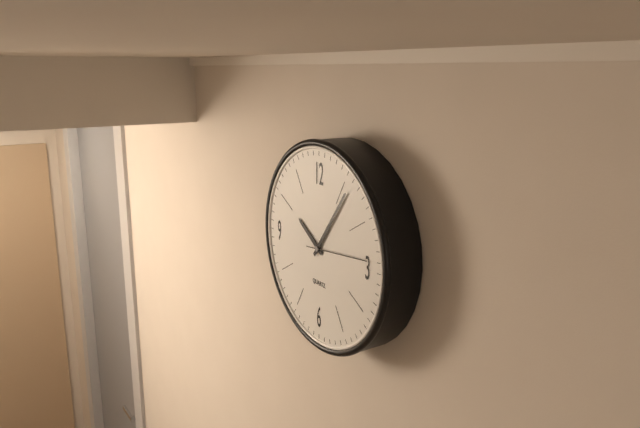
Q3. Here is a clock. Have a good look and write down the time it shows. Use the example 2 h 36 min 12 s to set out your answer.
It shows 10 h 06 min 14 s
